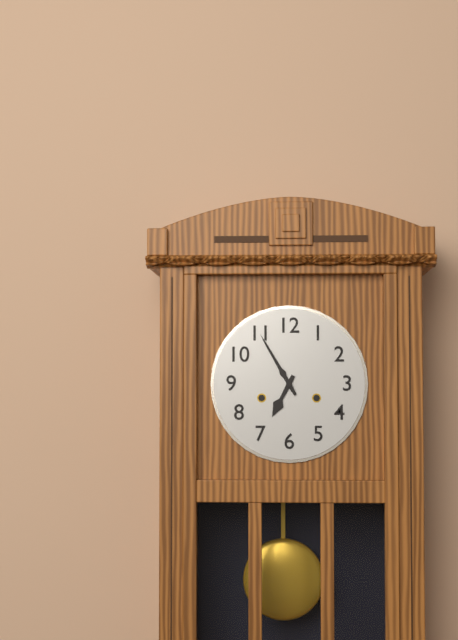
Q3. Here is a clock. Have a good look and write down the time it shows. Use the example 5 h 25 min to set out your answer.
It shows 6 h 55 min
